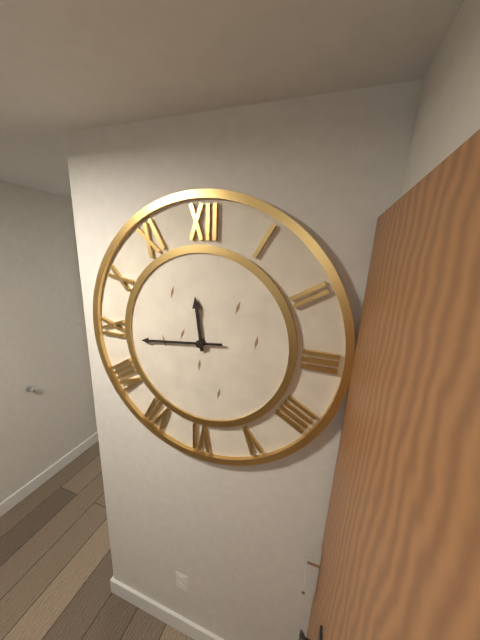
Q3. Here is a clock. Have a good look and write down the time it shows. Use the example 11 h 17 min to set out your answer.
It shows 11 h 44 min
